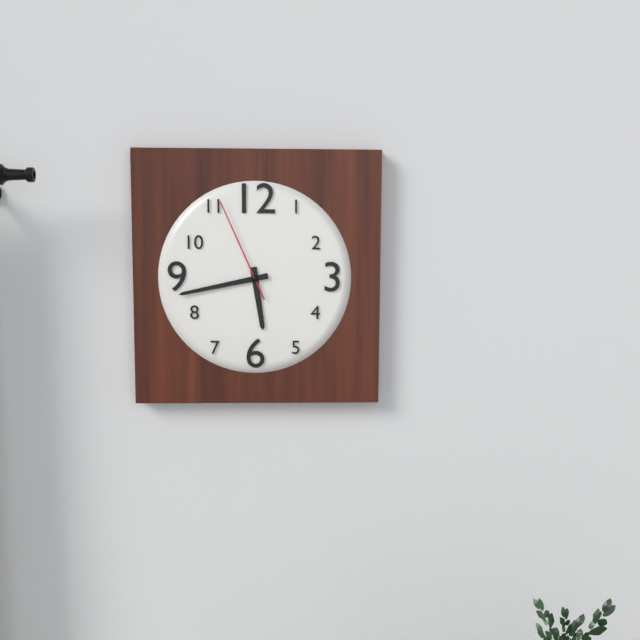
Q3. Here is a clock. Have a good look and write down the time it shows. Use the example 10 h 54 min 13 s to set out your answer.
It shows 5 h 43 min 56 s
